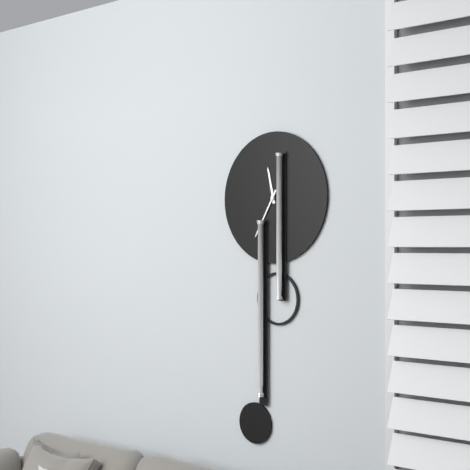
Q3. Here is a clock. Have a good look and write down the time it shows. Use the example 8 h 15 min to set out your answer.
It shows 11 h 35 min
